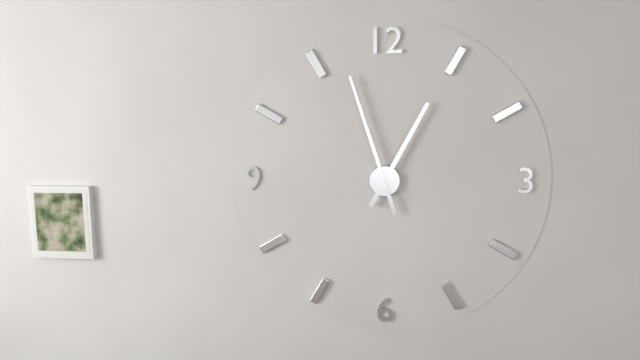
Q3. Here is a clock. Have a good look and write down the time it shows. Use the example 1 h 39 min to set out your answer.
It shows 12 h 57 min
